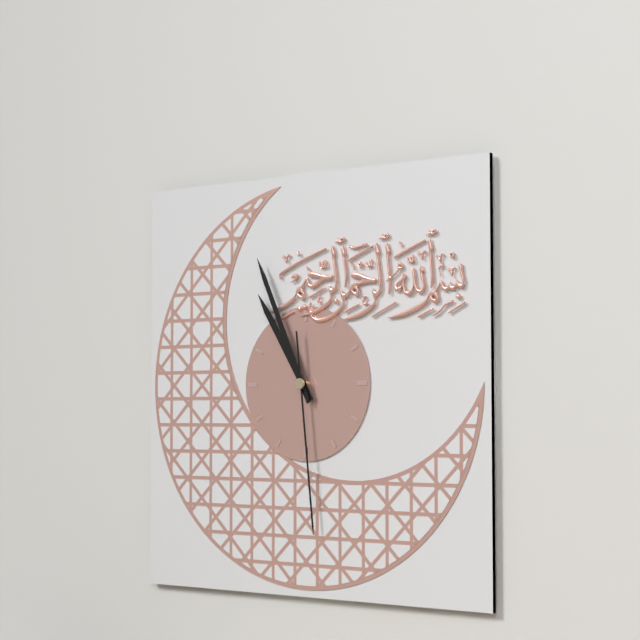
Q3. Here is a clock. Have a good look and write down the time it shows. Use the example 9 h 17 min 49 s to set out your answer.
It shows 10 h 56 min 29 s
